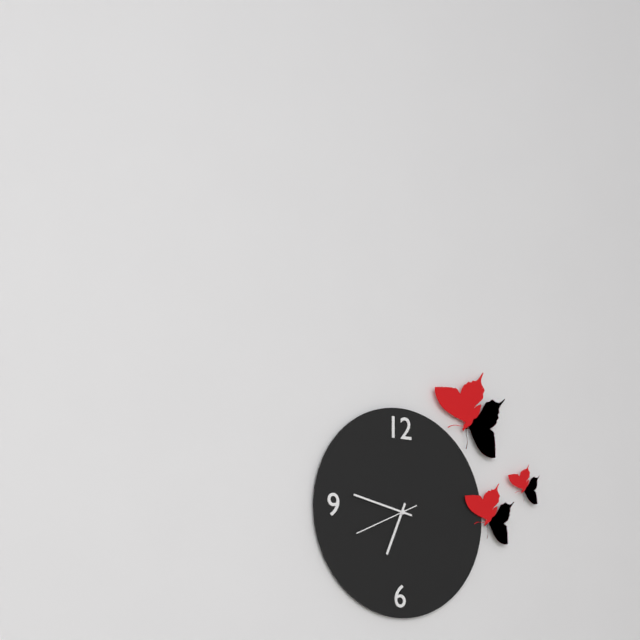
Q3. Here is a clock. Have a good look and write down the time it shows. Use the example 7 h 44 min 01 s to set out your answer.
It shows 6 h 47 min 41 s
